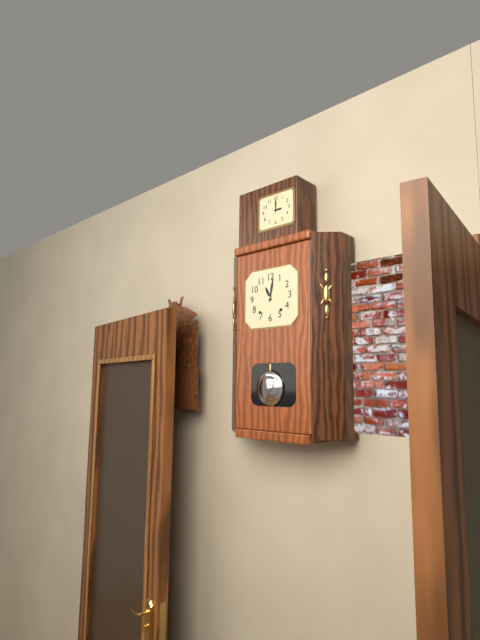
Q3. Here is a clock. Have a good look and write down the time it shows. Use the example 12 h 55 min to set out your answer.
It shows 11 h 02 min
